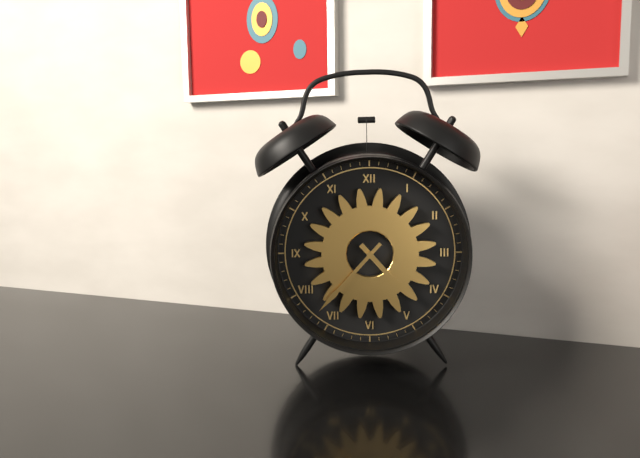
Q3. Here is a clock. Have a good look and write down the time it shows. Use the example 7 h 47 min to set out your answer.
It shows 4 h 37 min
